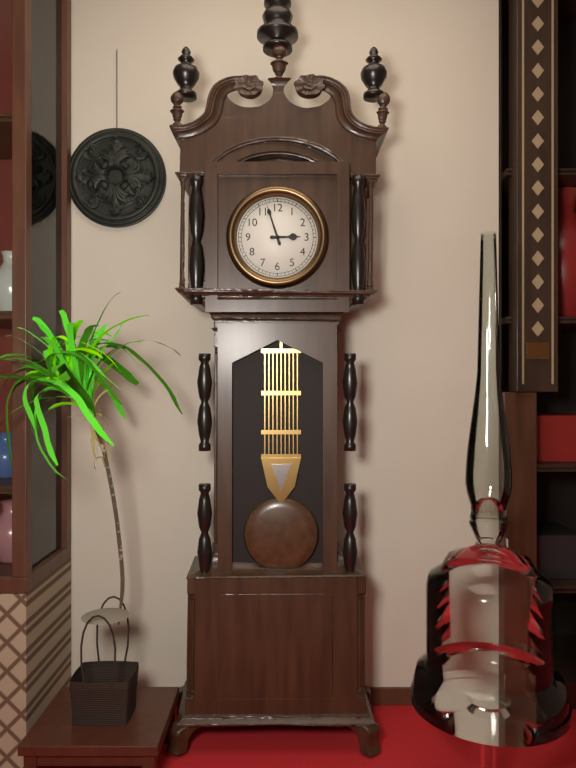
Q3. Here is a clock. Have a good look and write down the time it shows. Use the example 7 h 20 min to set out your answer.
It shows 2 h 57 min
